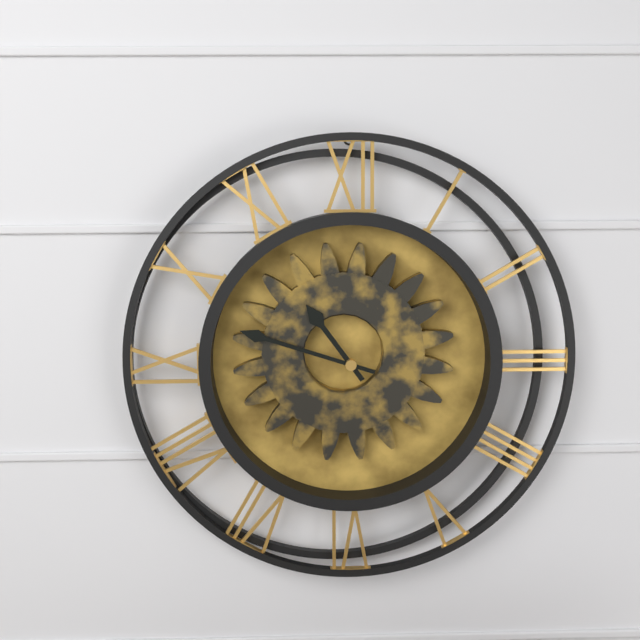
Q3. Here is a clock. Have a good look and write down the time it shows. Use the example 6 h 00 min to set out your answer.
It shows 10 h 48 min
